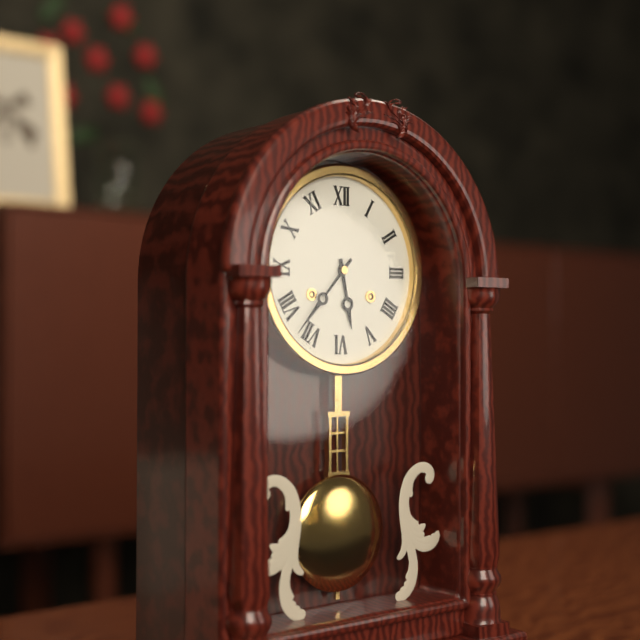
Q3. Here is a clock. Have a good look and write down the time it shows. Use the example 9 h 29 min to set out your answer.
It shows 5 h 37 min
